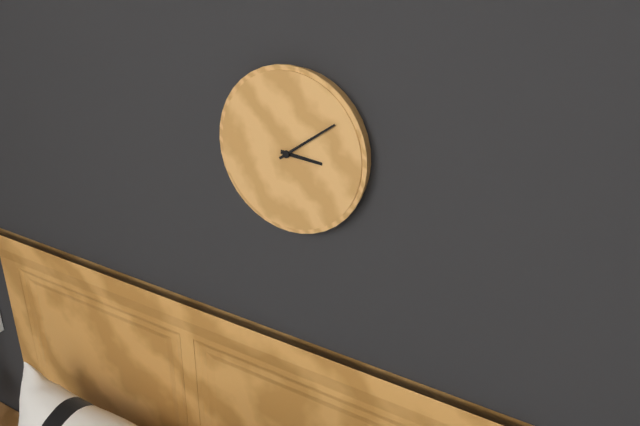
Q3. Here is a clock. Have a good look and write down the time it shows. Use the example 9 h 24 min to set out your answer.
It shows 3 h 09 min
